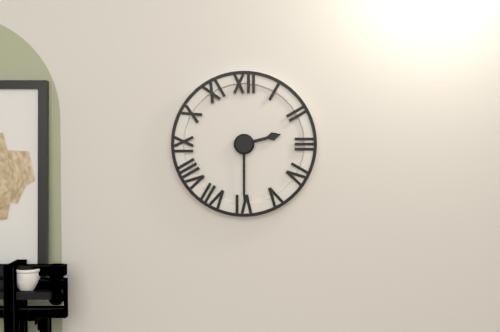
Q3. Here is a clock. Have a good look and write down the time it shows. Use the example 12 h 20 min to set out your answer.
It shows 2 h 30 min
